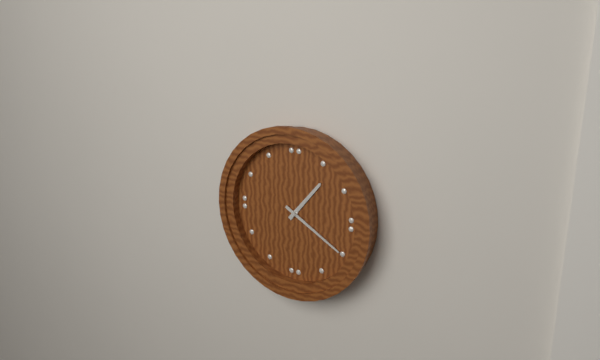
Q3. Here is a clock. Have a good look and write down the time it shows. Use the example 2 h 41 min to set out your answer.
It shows 1 h 20 min
